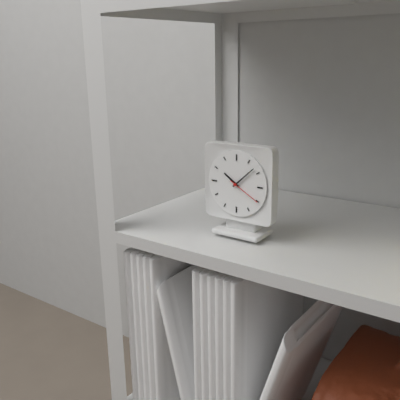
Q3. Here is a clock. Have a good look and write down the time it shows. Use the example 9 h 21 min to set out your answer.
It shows 10 h 08 min
